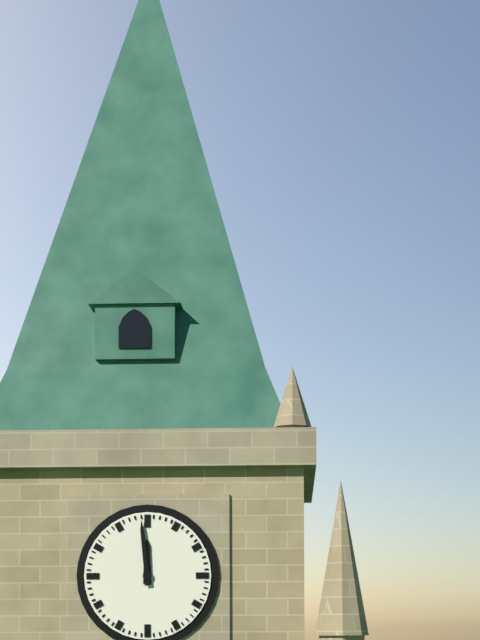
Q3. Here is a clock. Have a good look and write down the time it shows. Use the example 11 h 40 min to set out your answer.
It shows 11 h 59 min
